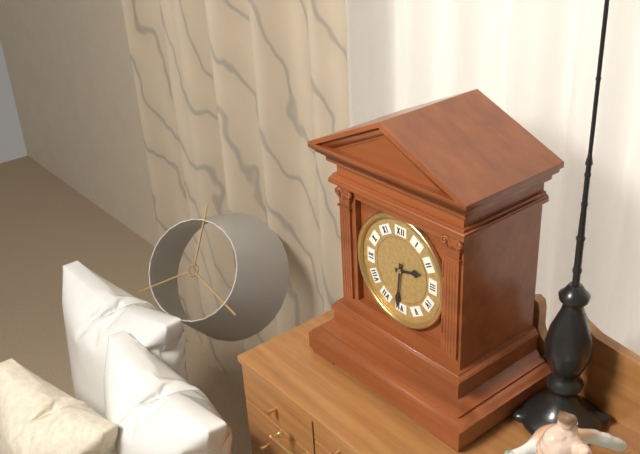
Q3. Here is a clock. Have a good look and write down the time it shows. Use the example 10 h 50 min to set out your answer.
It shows 2 h 31 min
